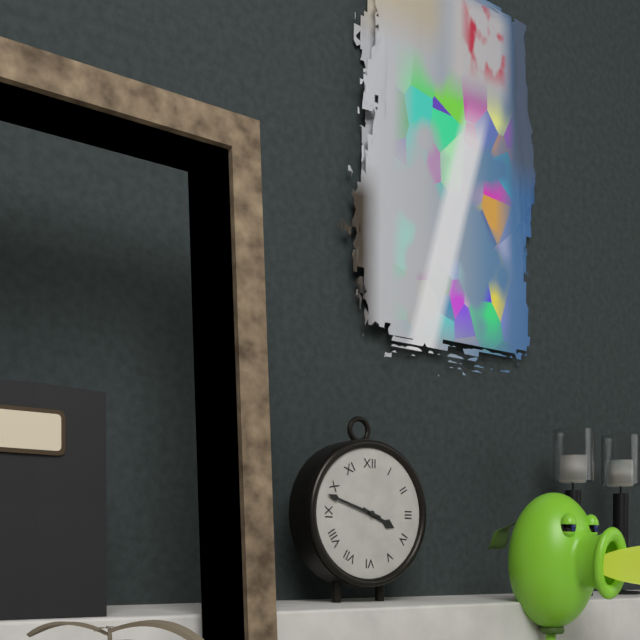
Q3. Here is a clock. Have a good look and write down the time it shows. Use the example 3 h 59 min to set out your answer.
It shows 3 h 48 min
